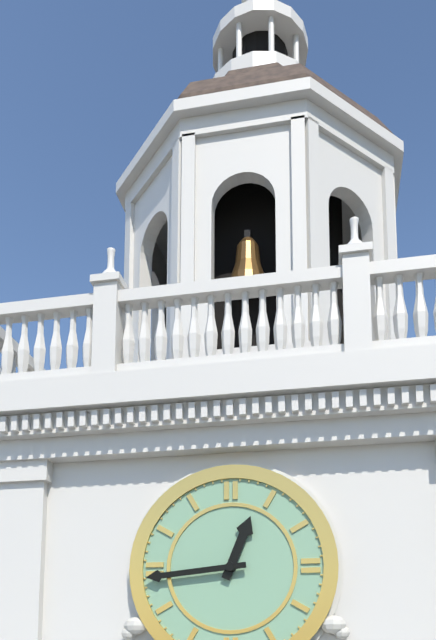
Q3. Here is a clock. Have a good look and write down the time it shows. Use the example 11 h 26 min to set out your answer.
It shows 12 h 44 min
